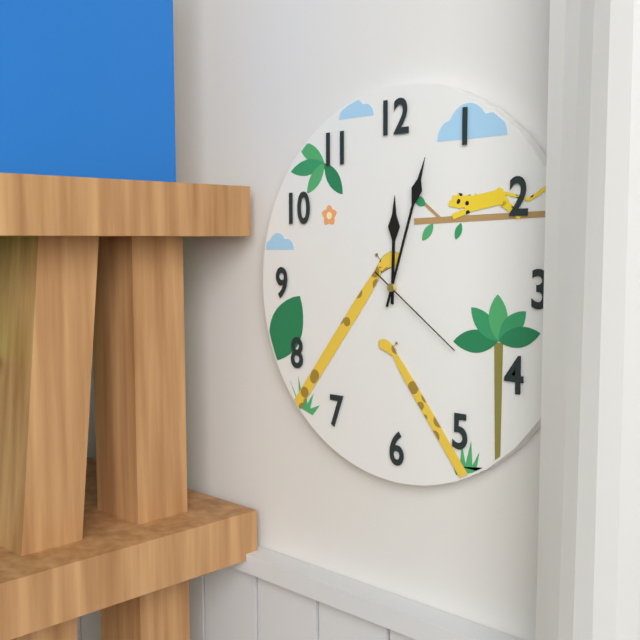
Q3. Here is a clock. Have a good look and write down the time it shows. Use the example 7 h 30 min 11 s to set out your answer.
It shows 12 h 03 min 21 s
